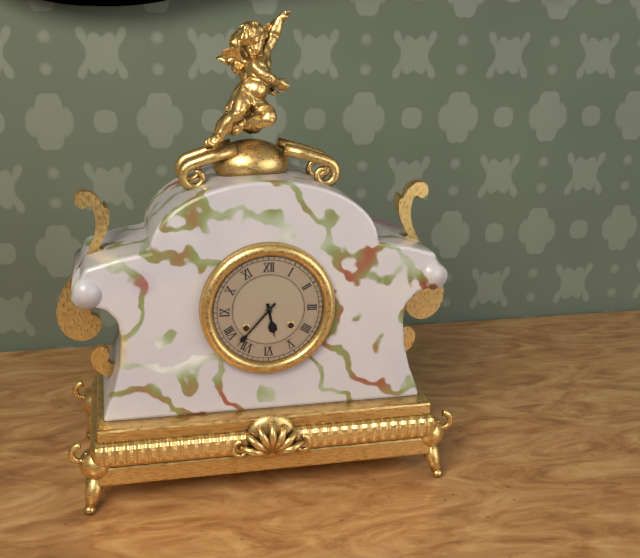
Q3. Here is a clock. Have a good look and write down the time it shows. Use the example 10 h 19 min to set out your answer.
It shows 5 h 37 min
